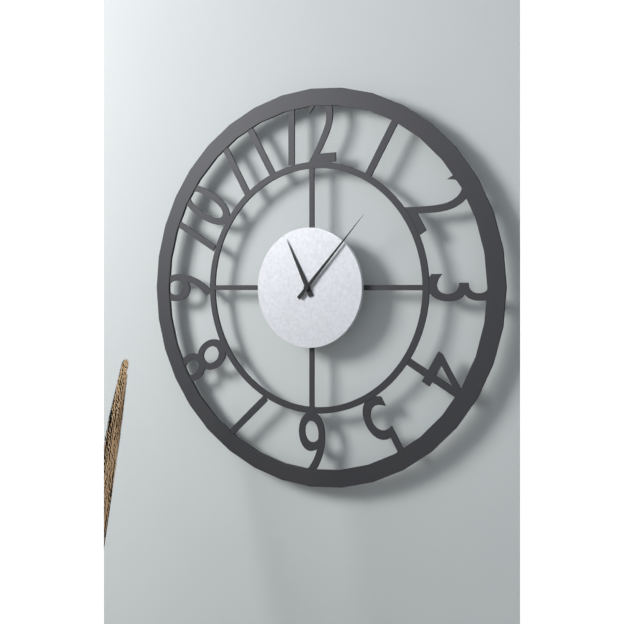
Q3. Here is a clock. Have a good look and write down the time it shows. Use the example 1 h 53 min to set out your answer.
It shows 11 h 07 min
